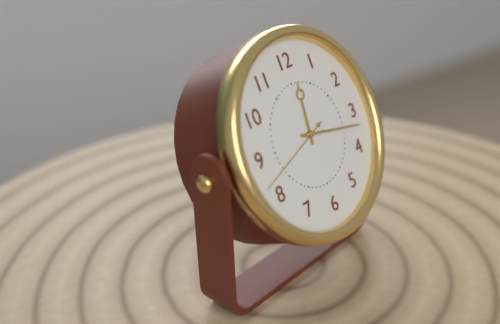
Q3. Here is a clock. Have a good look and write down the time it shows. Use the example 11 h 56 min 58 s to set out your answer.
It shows 12 h 17 min 42 s
